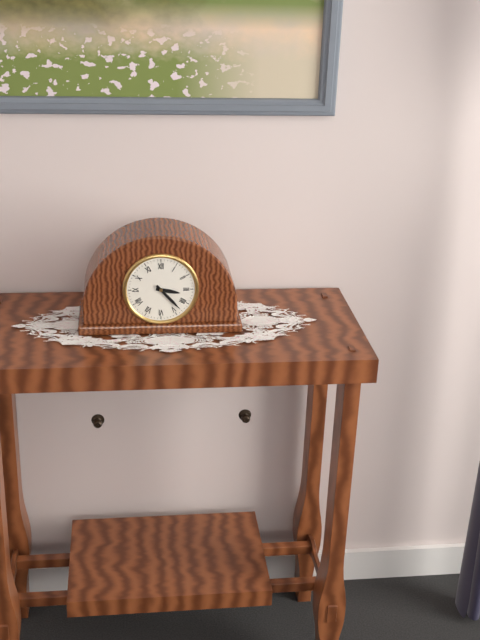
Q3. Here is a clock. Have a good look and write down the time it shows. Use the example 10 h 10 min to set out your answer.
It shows 3 h 23 min
